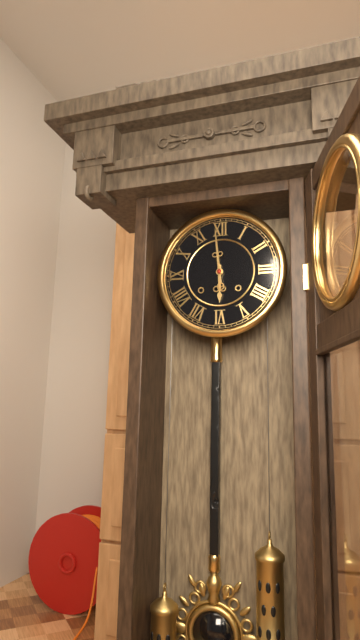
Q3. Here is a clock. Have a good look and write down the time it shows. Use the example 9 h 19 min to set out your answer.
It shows 5 h 59 min
